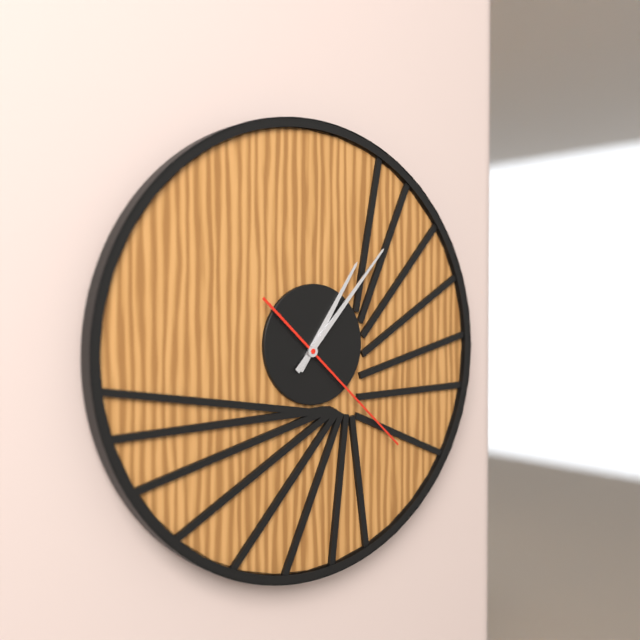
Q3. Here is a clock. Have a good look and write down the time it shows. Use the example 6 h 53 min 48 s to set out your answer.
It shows 1 h 07 min 22 s
